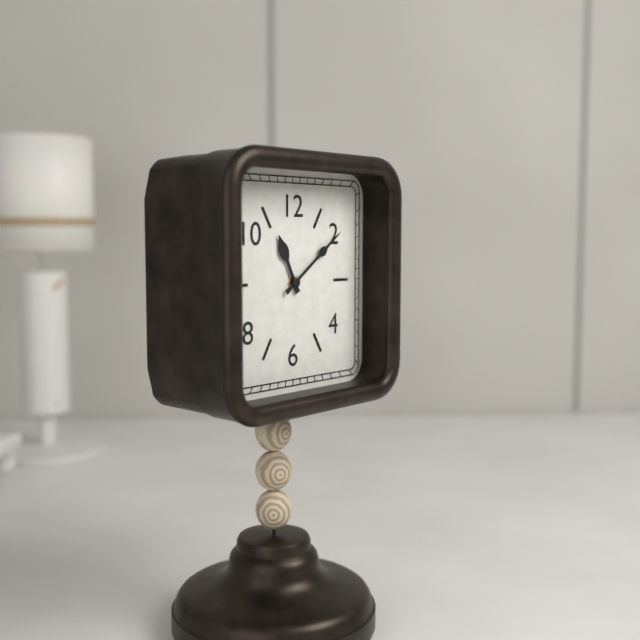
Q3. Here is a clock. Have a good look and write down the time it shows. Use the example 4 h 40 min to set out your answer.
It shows 11 h 09 min
